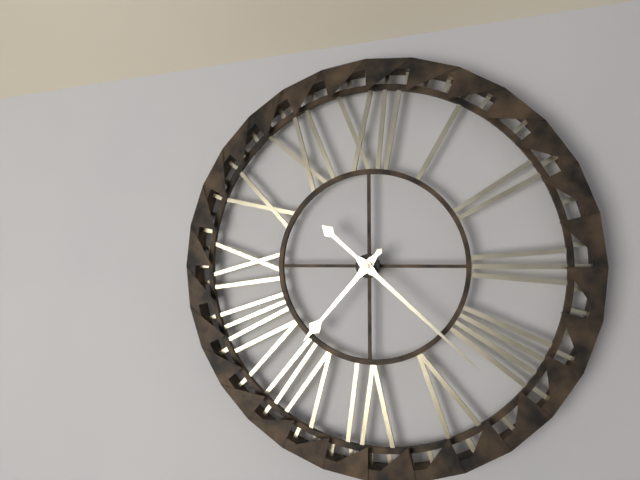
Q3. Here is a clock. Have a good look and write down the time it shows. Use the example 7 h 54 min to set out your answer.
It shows 7 h 22 min
